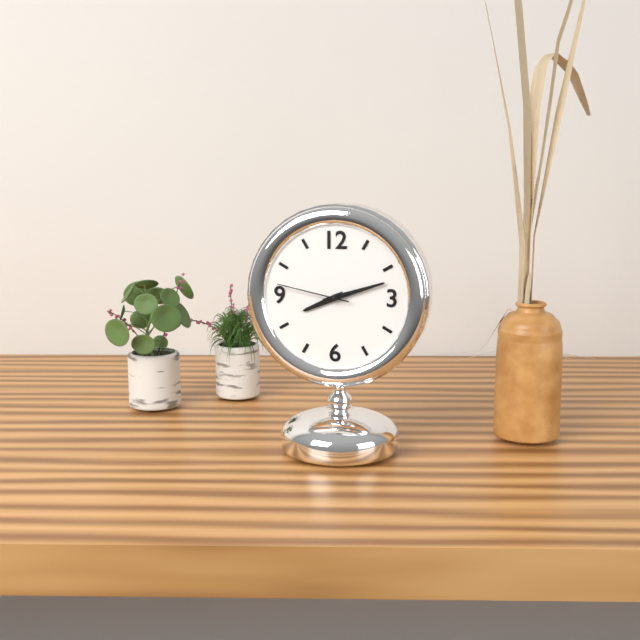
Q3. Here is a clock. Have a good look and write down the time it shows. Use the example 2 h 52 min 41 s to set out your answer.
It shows 8 h 12 min 47 s
